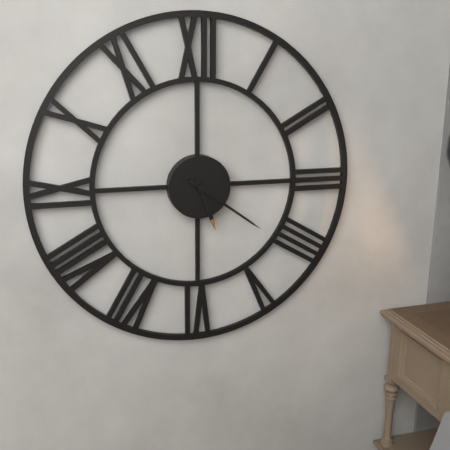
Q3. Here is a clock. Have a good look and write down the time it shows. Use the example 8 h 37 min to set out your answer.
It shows 5 h 21 min
